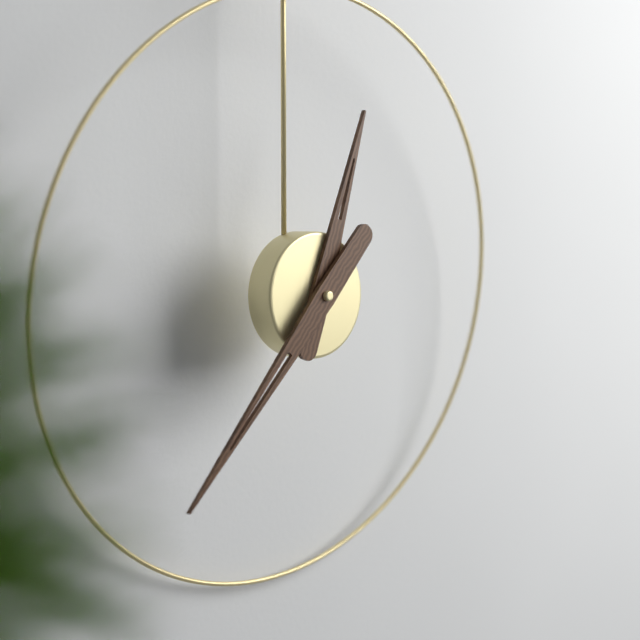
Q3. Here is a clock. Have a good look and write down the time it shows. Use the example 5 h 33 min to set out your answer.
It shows 12 h 37 min
